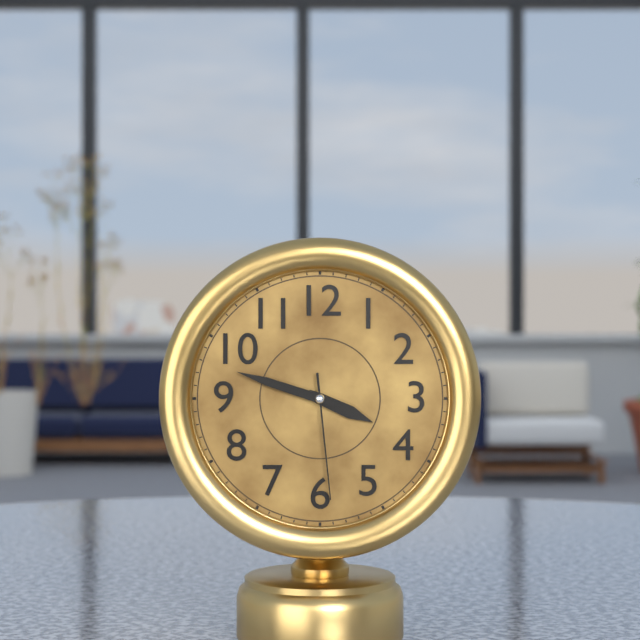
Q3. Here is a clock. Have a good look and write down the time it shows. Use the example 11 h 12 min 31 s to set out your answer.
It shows 3 h 48 min 29 s
